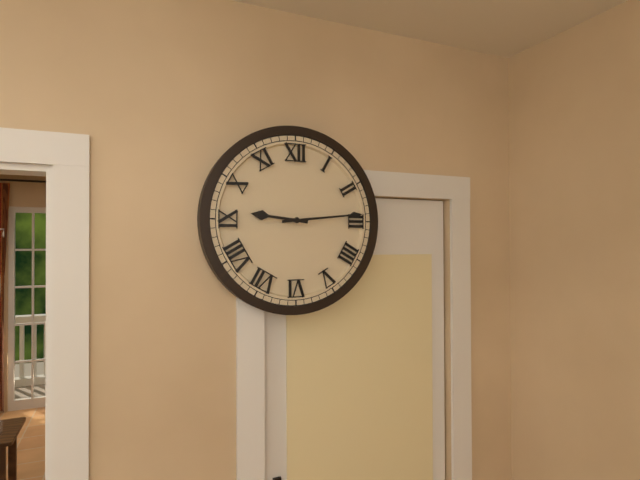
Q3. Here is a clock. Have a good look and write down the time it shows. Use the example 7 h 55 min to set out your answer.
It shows 9 h 14 min
